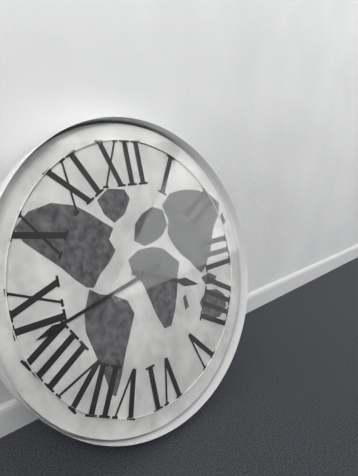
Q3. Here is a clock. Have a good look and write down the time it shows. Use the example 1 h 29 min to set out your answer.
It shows 3 h 43 min
